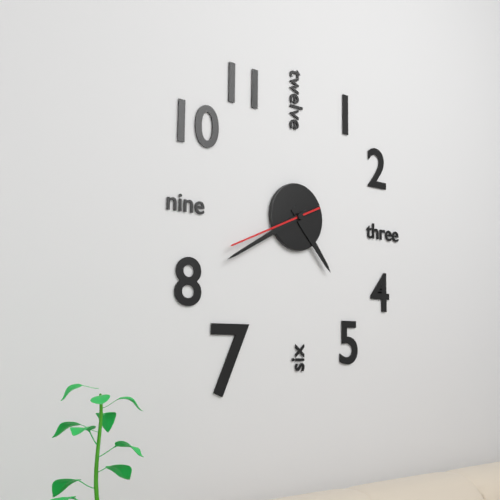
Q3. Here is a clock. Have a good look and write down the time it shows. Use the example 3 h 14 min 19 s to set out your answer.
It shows 4 h 40 min 41 s
